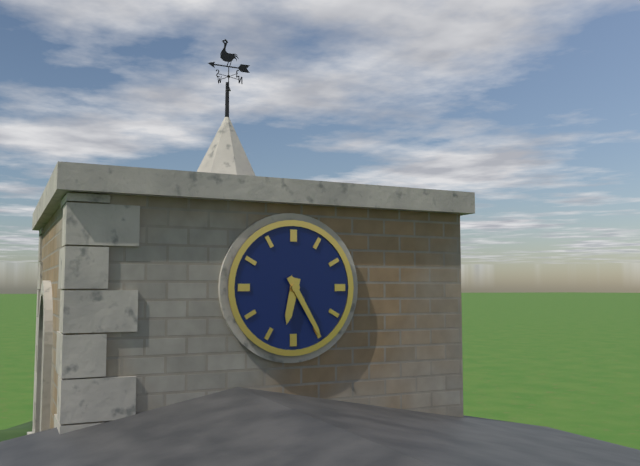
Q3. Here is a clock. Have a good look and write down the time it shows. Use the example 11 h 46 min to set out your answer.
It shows 6 h 25 min
